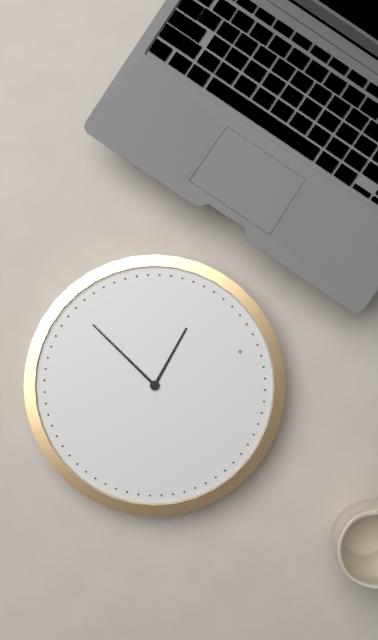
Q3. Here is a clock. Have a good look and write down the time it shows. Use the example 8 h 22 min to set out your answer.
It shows 10 h 41 min
